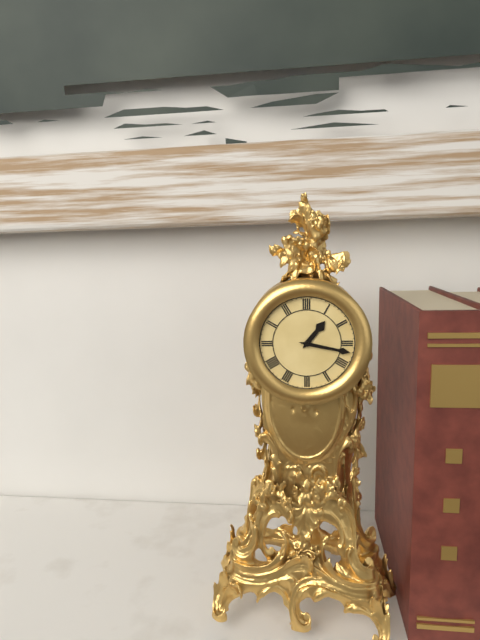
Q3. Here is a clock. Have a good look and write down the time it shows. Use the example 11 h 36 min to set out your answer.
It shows 1 h 17 min
